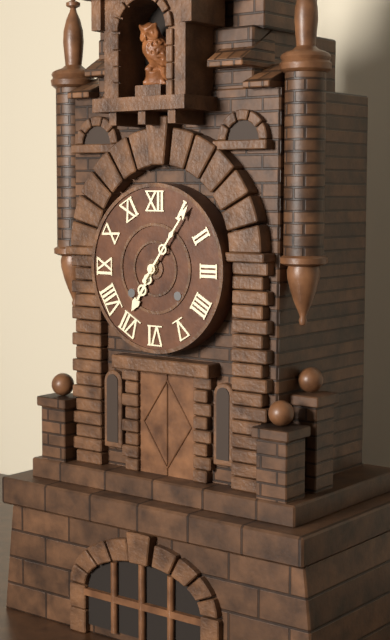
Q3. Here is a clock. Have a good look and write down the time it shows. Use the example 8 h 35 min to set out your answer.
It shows 7 h 06 min
